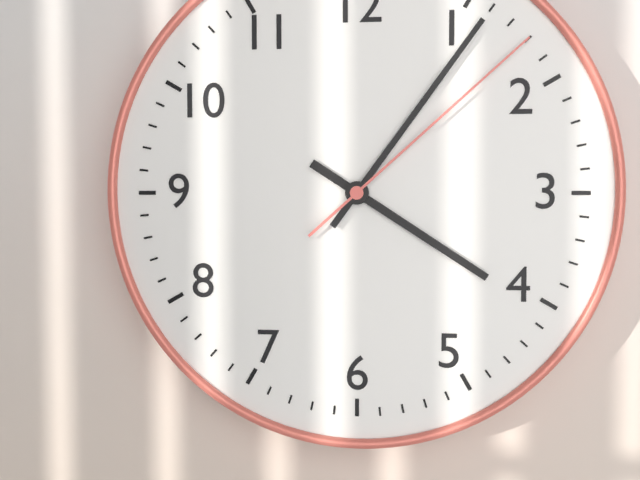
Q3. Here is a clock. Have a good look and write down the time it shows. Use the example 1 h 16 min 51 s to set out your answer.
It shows 4 h 06 min 08 s
